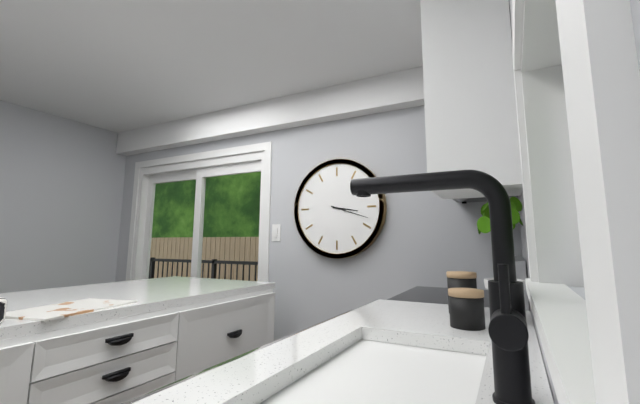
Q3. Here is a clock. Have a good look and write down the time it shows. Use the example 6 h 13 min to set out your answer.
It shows 3 h 18 min
